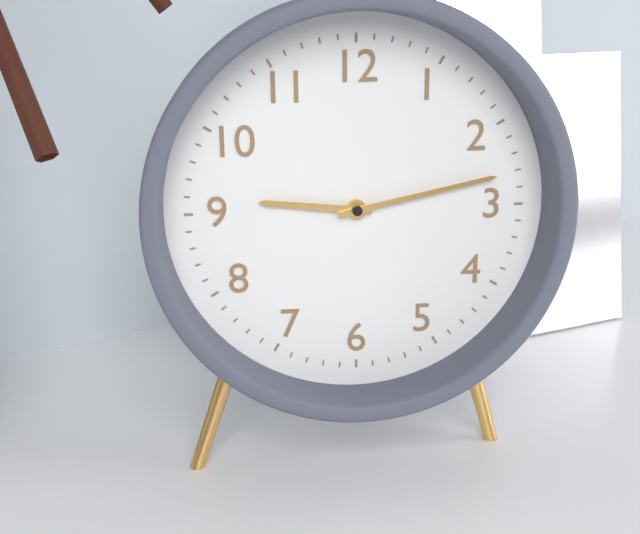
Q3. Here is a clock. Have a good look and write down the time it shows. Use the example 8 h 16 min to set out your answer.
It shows 9 h 13 min
